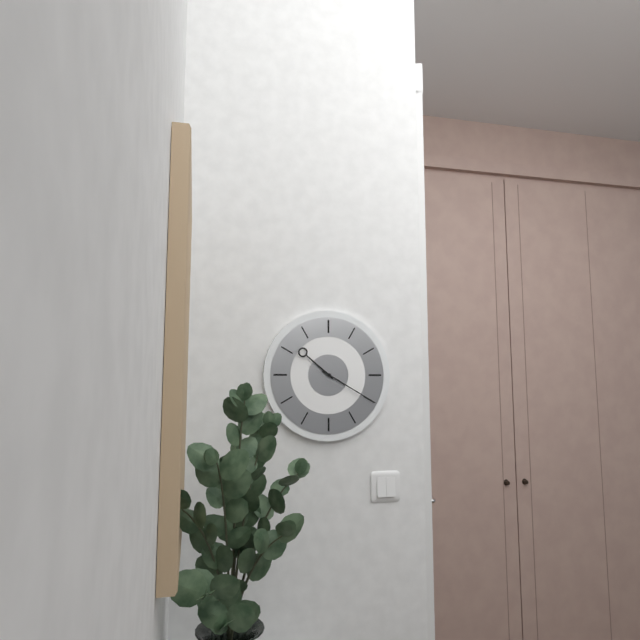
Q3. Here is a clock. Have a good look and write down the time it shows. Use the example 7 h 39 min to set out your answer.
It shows 10 h 20 min
